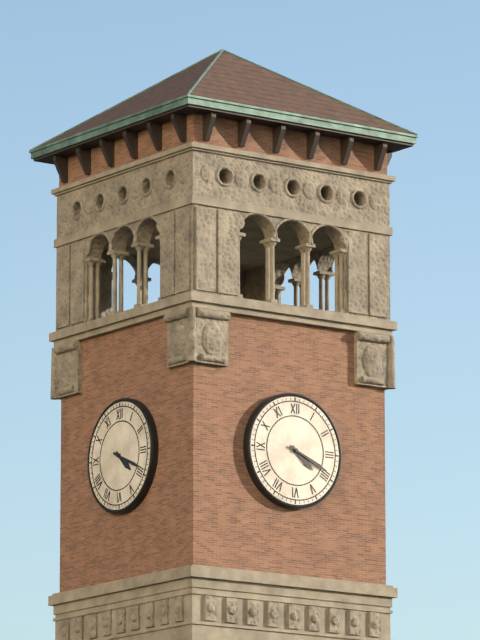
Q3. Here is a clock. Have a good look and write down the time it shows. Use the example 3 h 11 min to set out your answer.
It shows 4 h 19 min
